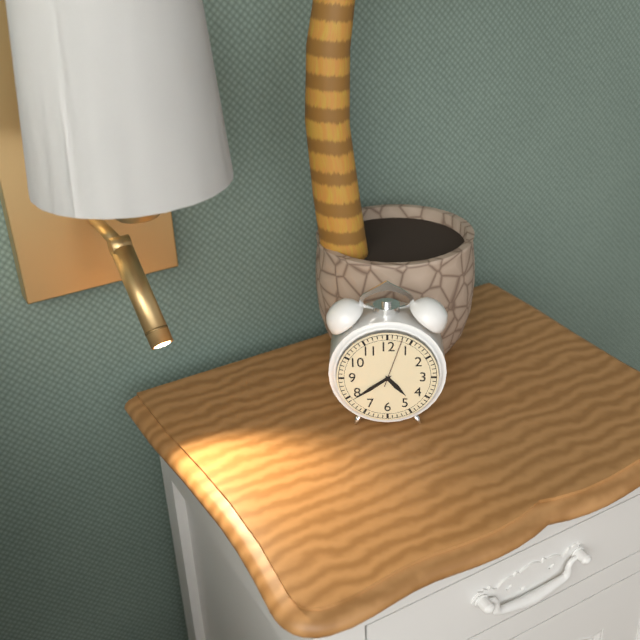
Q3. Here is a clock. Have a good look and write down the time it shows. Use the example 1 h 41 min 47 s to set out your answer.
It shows 4 h 39 min 03 s
